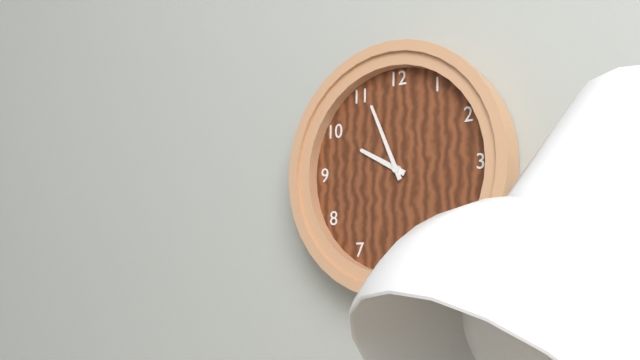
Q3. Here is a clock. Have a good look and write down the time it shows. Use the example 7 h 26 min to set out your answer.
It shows 9 h 56 min
